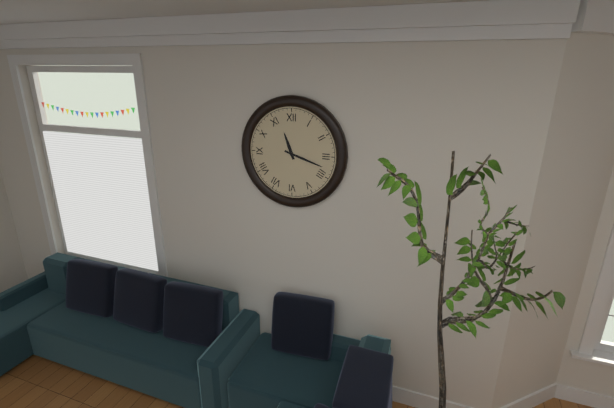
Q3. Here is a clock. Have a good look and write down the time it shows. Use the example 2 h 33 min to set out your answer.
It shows 11 h 18 min
